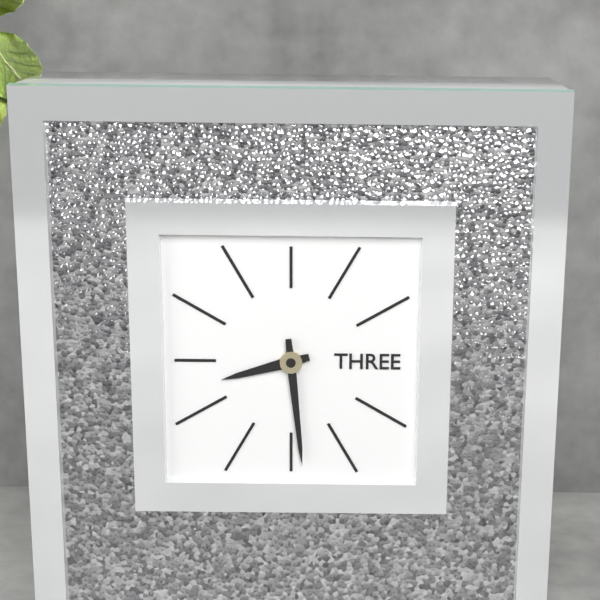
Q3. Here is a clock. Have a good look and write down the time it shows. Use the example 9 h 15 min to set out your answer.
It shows 8 h 29 min
